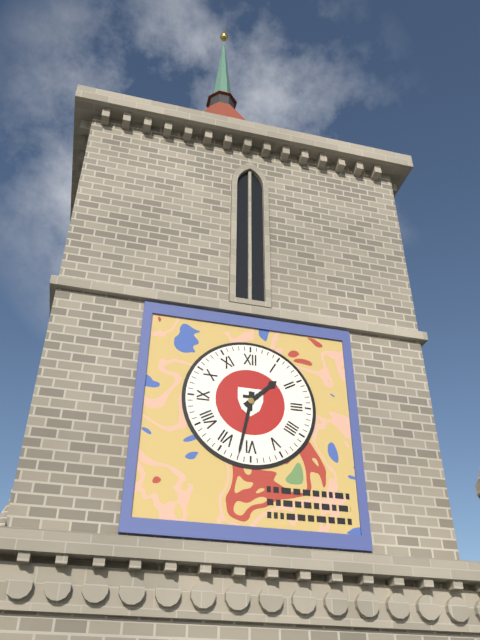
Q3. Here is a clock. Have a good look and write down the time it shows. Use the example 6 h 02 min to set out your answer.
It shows 1 h 32 min
